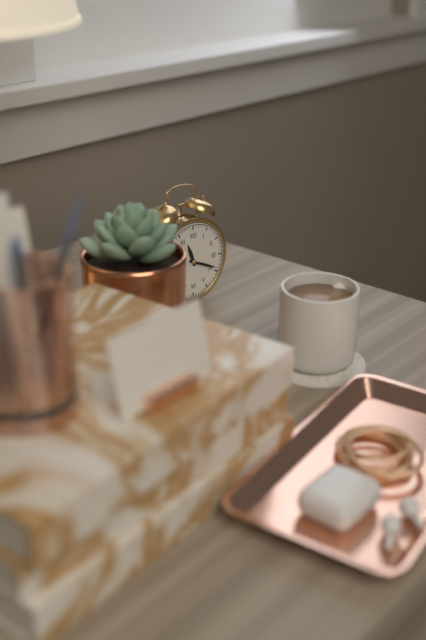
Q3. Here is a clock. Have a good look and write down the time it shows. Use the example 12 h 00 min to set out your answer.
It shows 11 h 19 min
